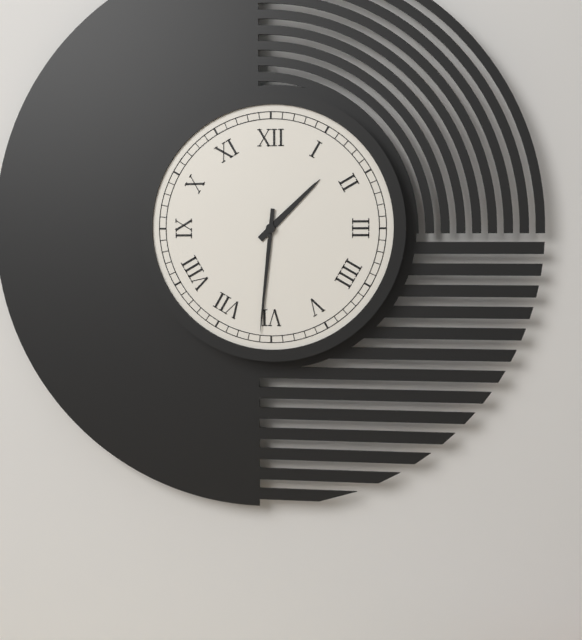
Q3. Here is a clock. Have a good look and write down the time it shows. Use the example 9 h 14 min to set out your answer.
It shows 1 h 31 min
